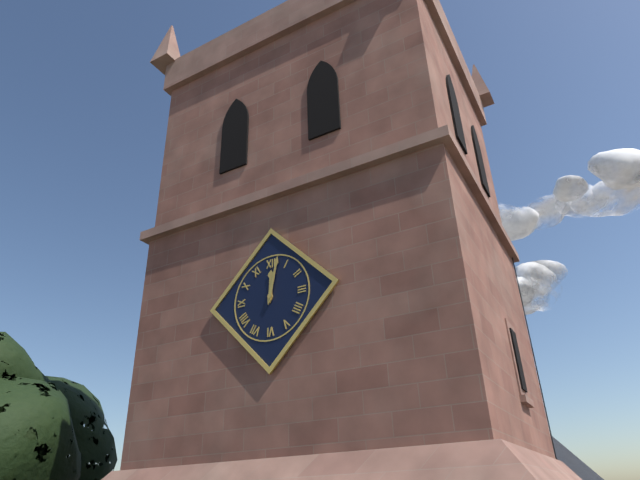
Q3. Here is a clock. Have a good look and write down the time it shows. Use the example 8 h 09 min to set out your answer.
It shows 12 h 02 min
